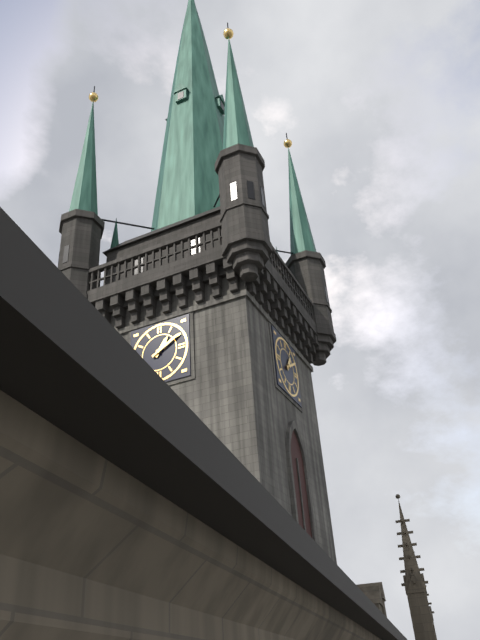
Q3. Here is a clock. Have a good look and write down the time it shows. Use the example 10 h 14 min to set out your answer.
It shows 1 h 10 min
